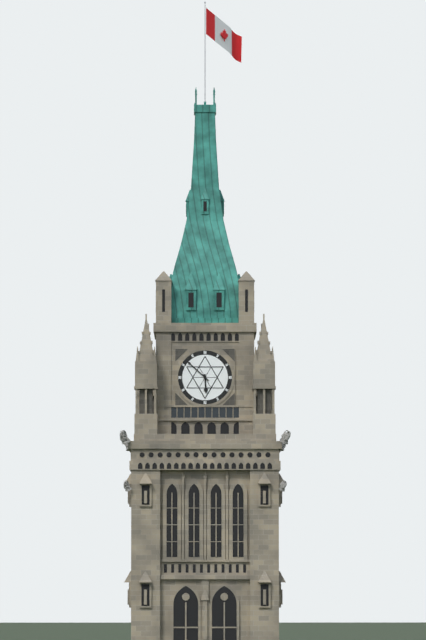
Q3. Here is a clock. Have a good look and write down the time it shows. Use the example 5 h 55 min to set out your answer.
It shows 5 h 52 min
